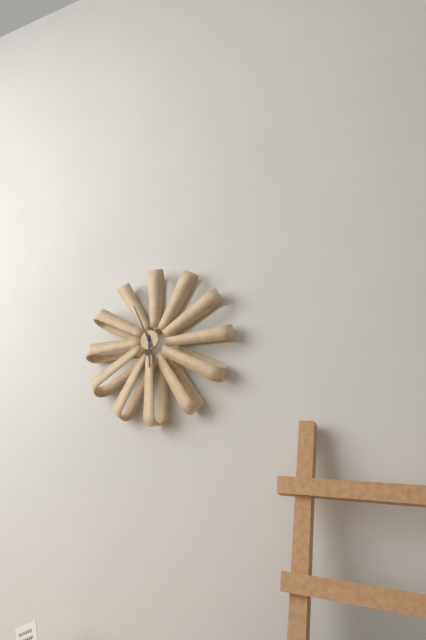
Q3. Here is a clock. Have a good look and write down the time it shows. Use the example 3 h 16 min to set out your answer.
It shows 5 h 56 min
